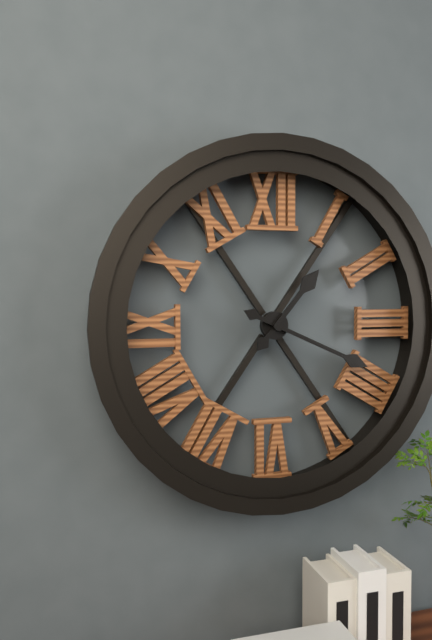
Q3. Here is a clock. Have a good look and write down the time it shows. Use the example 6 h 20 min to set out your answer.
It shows 1 h 19 min
